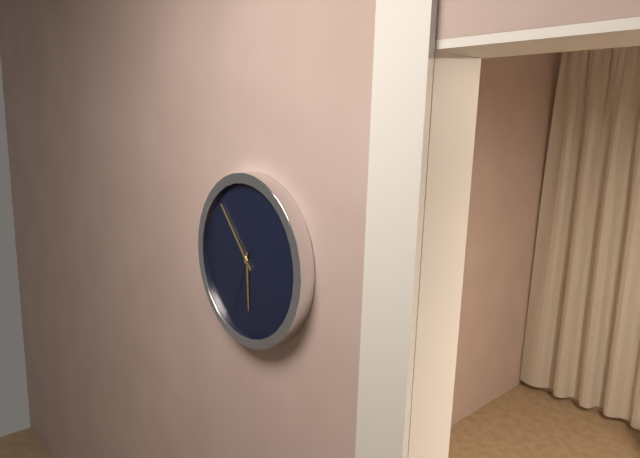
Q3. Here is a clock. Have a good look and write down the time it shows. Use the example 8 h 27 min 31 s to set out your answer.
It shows 5 h 53 min 34 s
